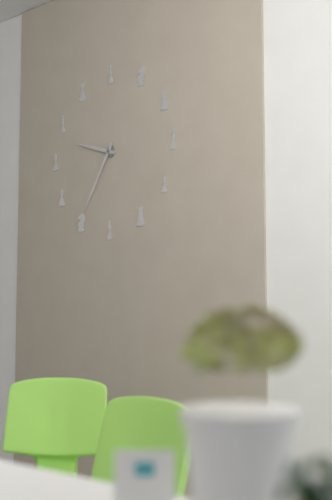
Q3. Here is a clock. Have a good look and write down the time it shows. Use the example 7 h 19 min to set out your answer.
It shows 9 h 35 min
